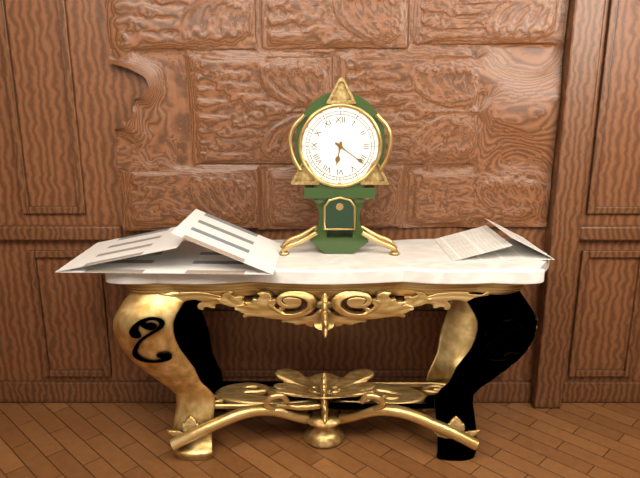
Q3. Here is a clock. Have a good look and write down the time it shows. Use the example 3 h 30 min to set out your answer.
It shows 6 h 21 min
